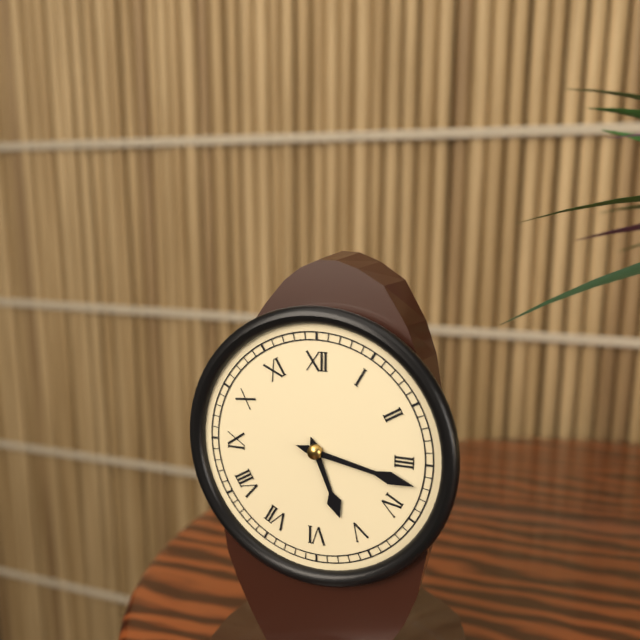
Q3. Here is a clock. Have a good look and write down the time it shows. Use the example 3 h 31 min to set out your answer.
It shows 5 h 17 min
